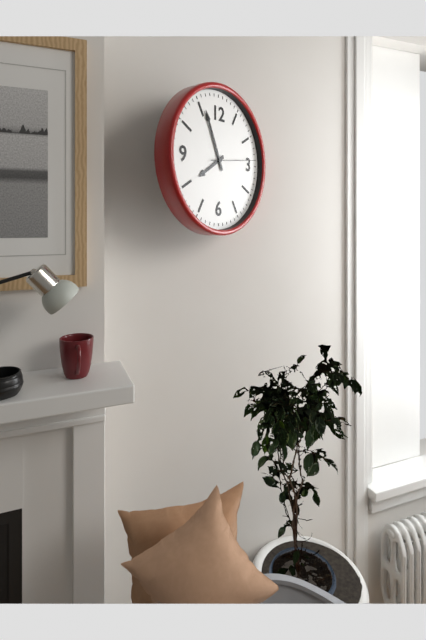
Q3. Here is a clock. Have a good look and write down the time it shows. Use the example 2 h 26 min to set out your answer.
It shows 7 h 56 min
